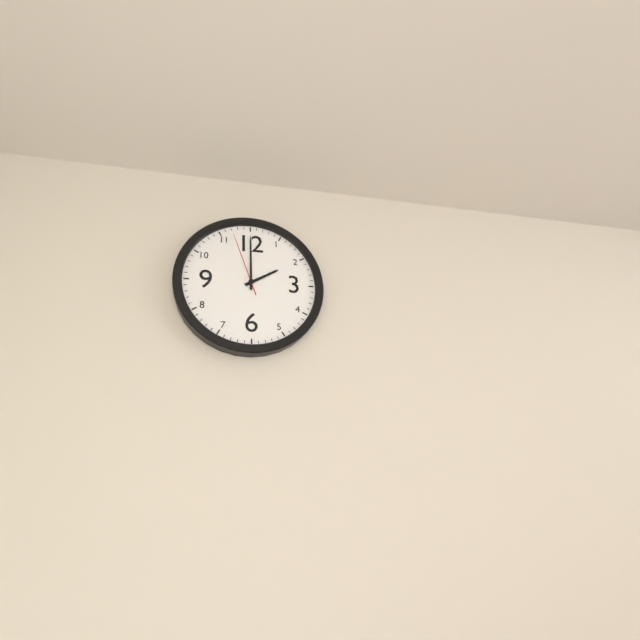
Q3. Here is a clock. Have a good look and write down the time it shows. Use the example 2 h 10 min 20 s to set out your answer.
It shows 2 h 00 min 57 s
